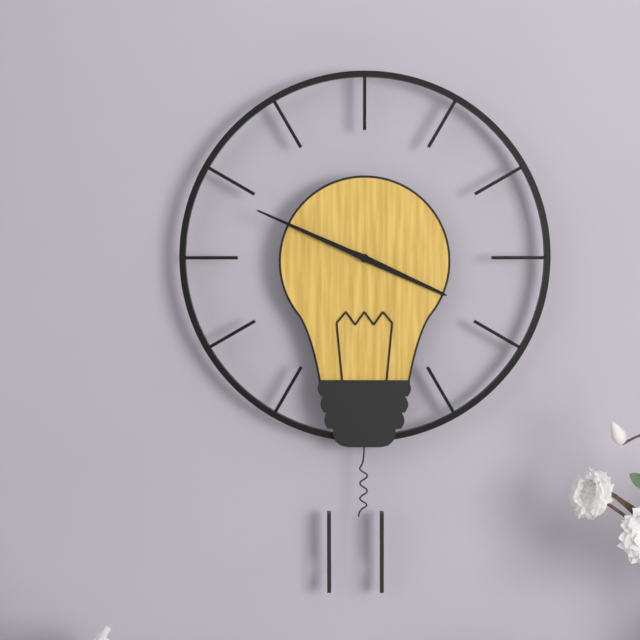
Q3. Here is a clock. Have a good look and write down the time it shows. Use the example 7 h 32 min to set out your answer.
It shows 3 h 49 min
